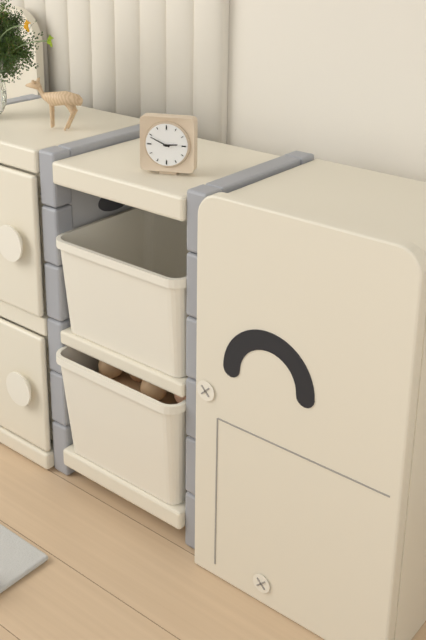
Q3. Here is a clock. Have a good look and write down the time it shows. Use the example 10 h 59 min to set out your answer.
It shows 2 h 49 min
